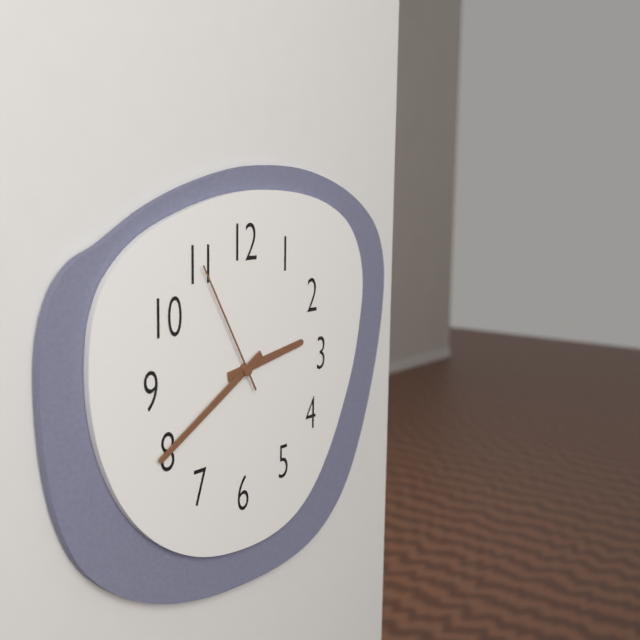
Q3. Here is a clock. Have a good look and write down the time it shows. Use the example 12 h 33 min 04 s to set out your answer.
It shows 2 h 40 min 55 s
